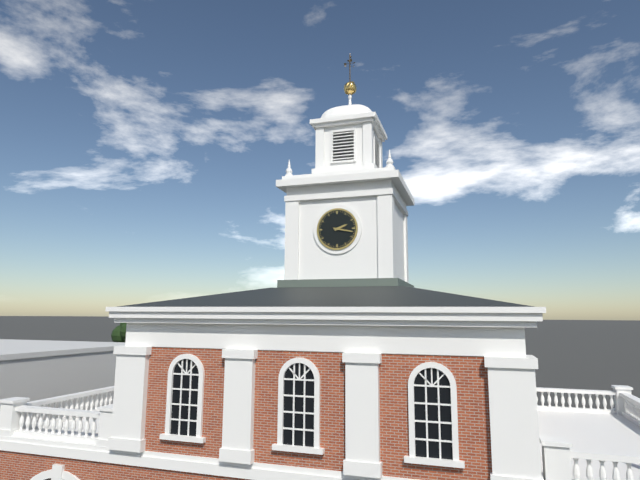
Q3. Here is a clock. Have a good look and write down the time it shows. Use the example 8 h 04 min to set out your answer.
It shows 2 h 17 min
